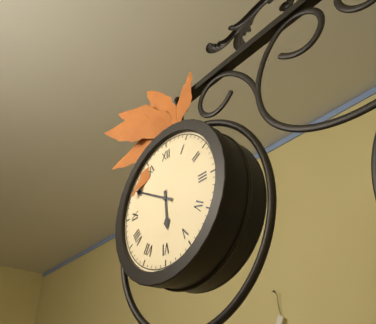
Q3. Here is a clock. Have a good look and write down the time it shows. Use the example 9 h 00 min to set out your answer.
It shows 5 h 50 min
